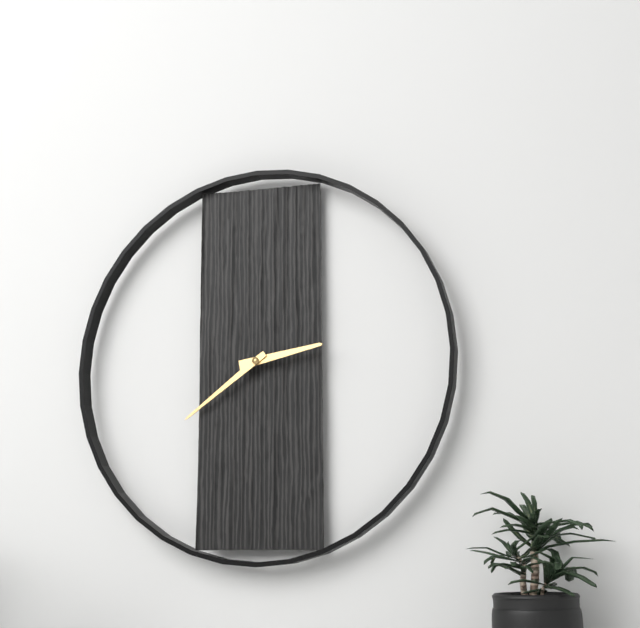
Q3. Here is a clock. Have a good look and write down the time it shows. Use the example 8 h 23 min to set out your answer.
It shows 2 h 39 min
